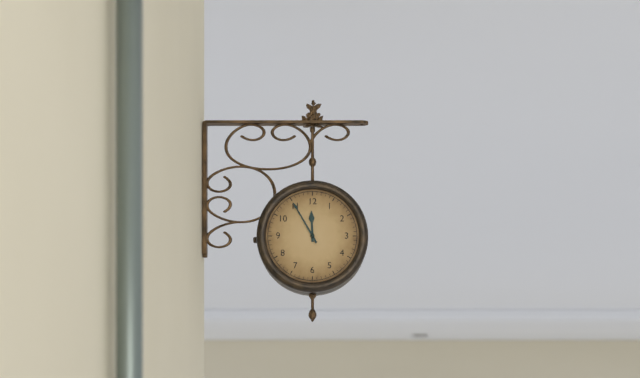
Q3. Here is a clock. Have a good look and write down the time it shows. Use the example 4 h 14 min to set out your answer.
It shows 11 h 55 min
